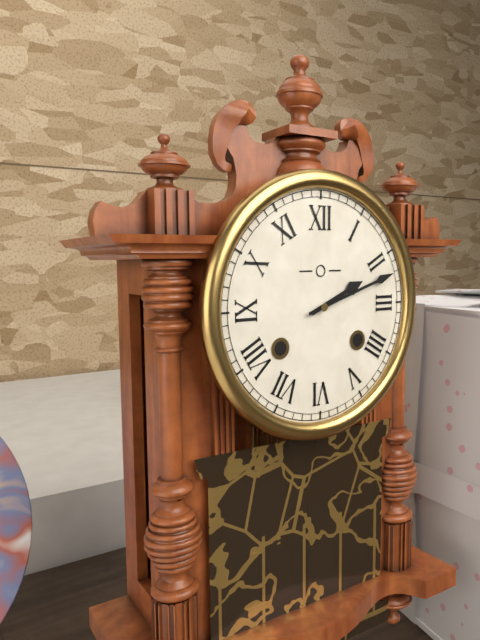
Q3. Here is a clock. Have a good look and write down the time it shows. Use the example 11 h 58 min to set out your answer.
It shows 2 h 12 min
